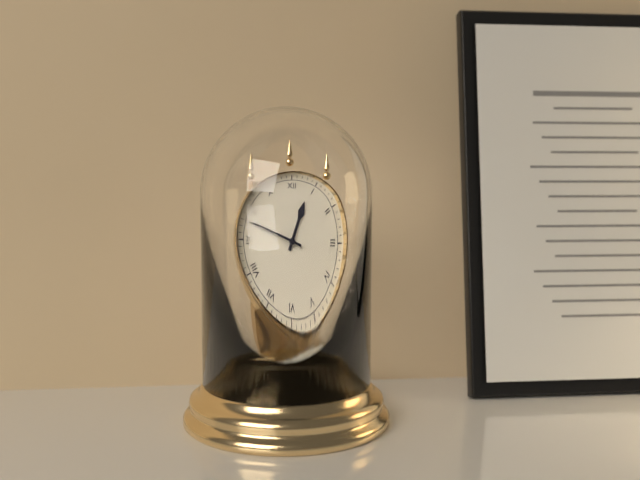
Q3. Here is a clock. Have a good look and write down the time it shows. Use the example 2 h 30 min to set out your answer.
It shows 12 h 48 min
